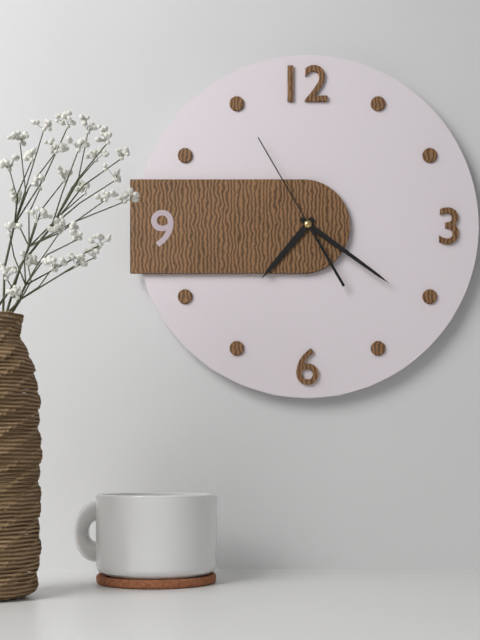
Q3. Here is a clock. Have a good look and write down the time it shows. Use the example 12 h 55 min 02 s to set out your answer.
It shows 7 h 21 min 55 s
